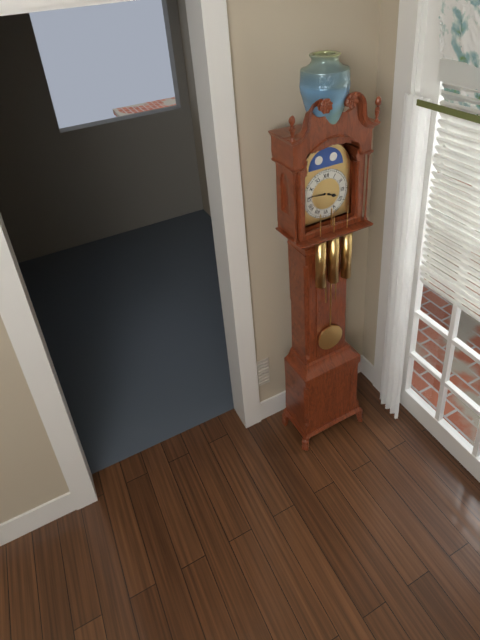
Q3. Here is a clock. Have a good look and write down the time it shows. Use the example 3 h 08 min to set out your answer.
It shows 3 h 46 min
